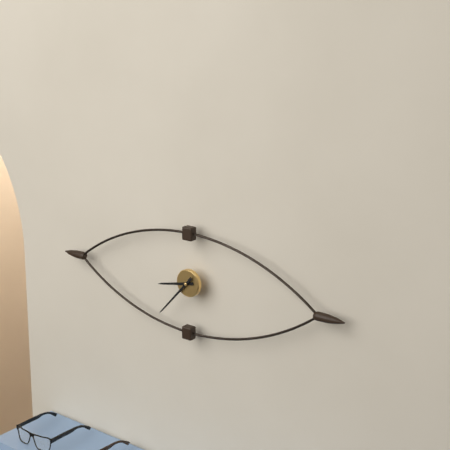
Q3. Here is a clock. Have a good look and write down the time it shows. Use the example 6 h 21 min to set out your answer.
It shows 8 h 37 min
